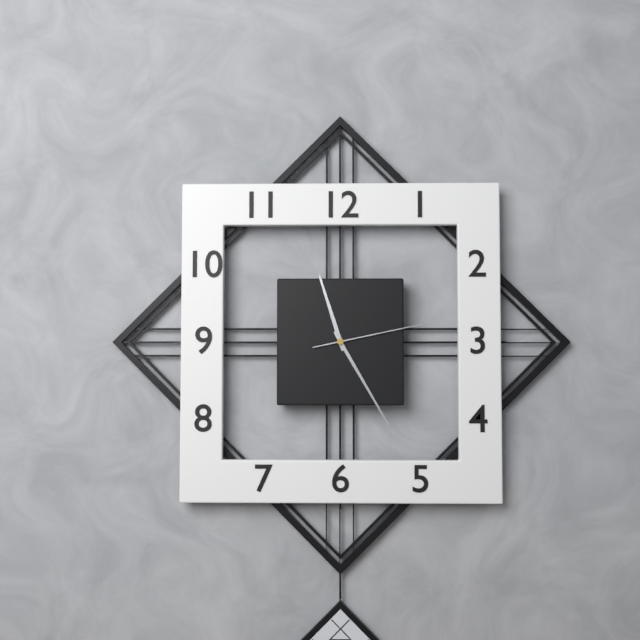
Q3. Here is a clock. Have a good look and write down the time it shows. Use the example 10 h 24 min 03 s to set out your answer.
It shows 11 h 25 min 13 s
